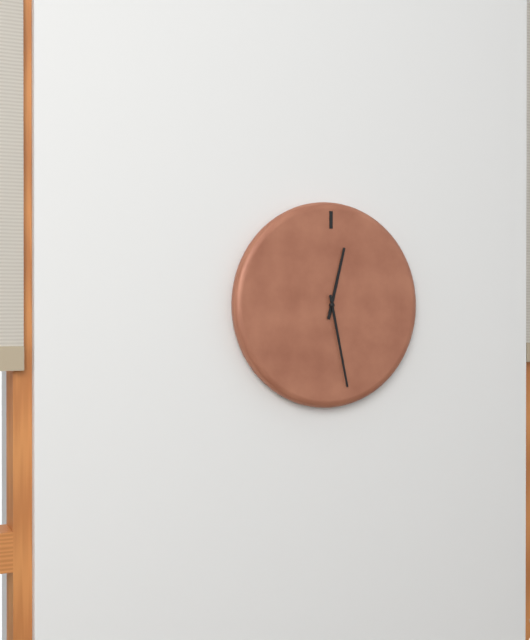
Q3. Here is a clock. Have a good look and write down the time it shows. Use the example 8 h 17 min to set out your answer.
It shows 12 h 28 min
